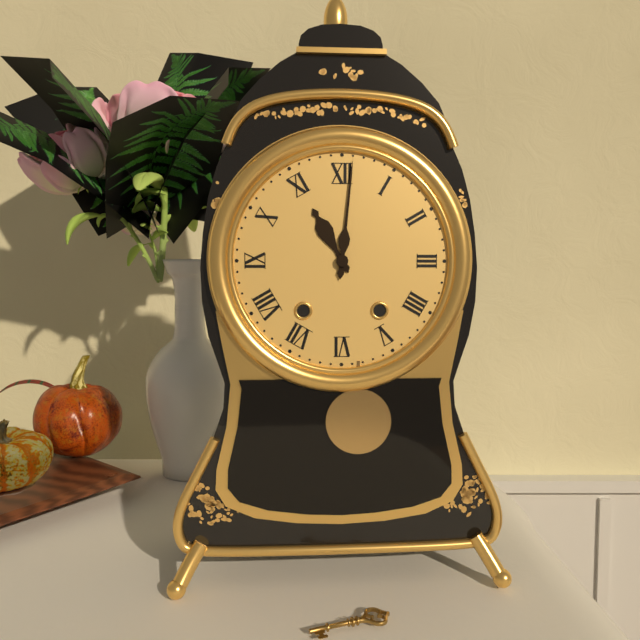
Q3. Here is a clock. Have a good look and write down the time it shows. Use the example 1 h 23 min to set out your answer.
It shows 11 h 01 min
